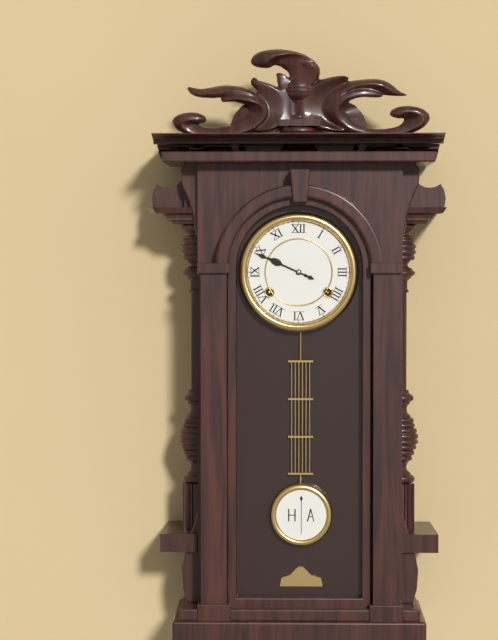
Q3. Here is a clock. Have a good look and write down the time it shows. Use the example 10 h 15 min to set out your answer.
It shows 9 h 49 min
